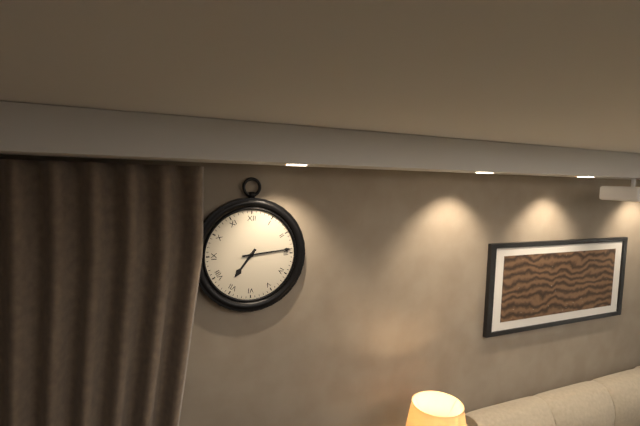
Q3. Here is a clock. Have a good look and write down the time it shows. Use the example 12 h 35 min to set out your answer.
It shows 7 h 14 min
